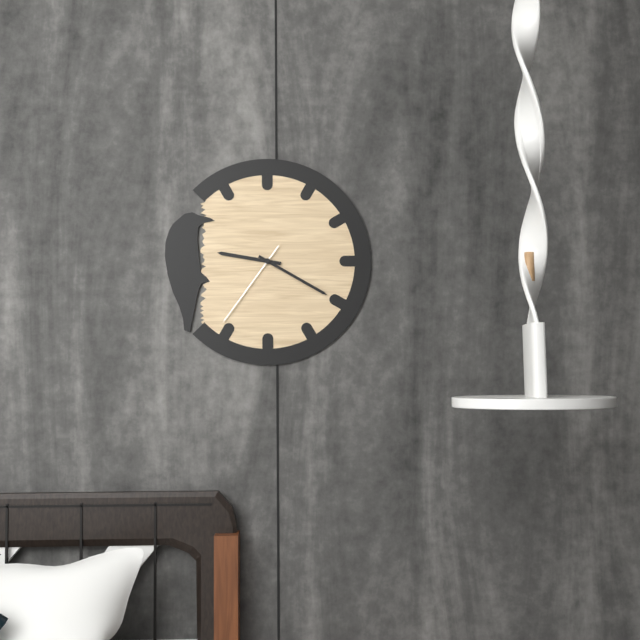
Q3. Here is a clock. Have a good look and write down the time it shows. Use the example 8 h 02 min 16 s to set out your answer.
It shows 9 h 20 min 36 s
